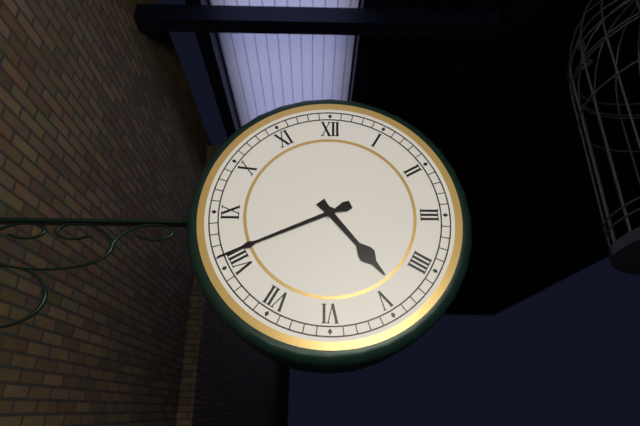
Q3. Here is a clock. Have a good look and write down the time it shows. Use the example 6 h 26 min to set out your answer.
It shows 4 h 41 min
